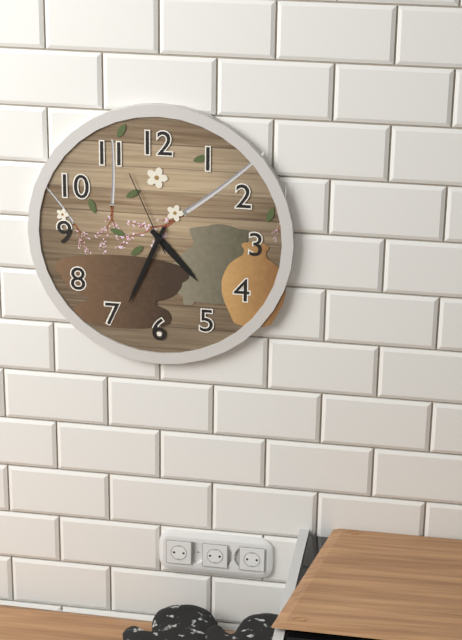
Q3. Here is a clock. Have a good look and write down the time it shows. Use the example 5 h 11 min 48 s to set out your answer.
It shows 4 h 34 min 56 s
